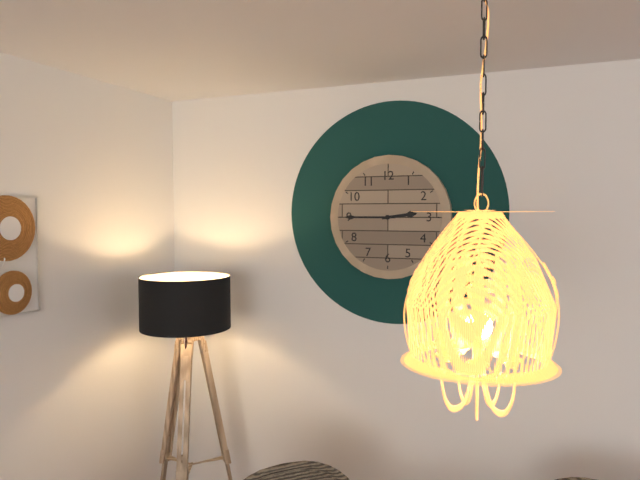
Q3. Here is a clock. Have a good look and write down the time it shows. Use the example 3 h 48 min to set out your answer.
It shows 2 h 45 min
